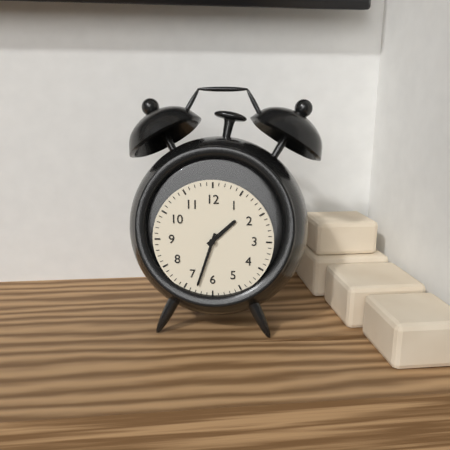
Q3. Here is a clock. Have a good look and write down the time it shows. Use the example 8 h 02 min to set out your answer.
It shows 1 h 33 min
